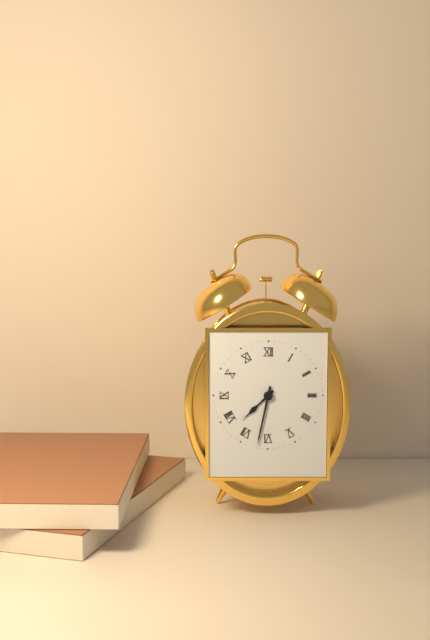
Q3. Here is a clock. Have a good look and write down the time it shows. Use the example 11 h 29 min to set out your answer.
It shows 7 h 32 min
